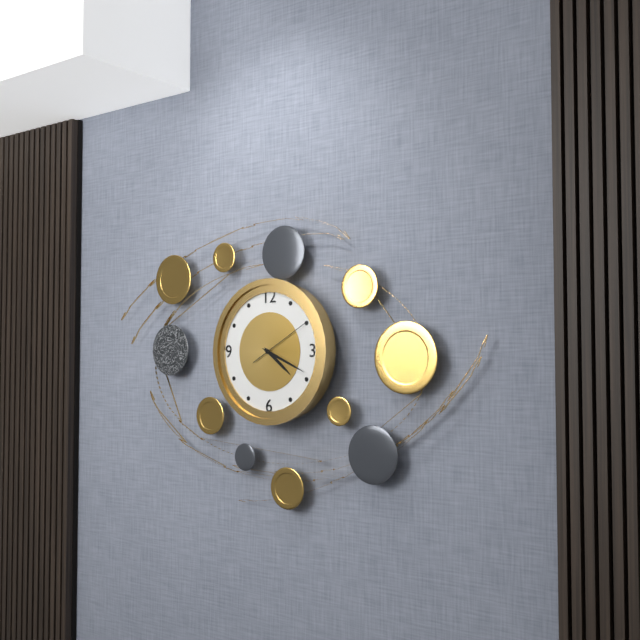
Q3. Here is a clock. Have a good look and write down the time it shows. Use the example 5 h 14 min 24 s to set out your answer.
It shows 4 h 19 min 10 s
